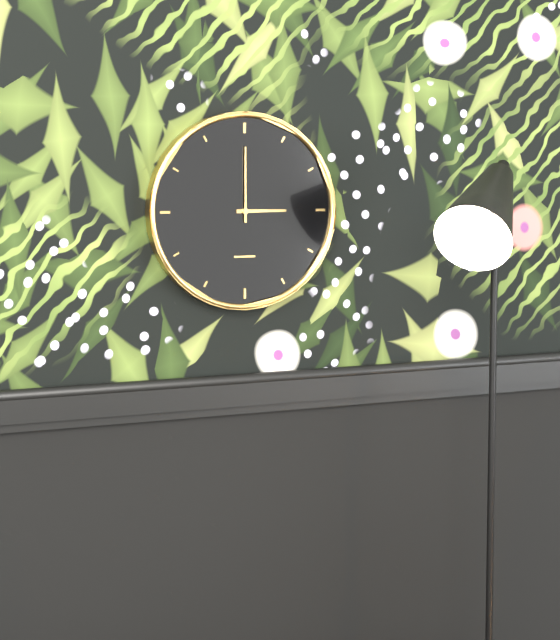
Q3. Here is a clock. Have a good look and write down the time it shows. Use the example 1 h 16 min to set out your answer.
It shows 3 h 00 min
